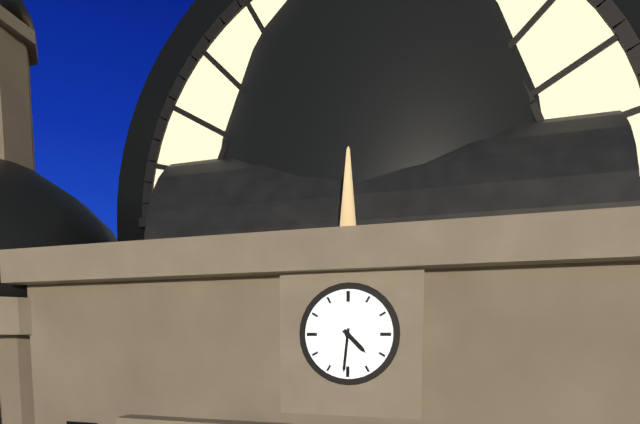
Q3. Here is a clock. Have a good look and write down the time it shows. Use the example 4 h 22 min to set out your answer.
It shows 4 h 31 min
